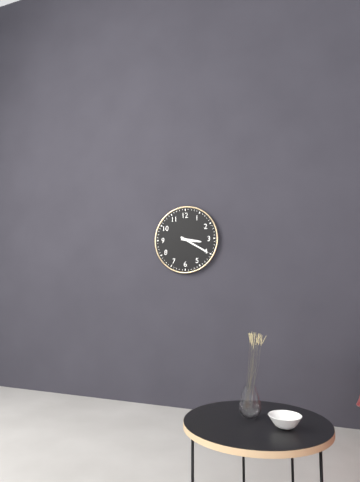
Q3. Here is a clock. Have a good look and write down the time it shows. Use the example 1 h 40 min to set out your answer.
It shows 3 h 20 min
